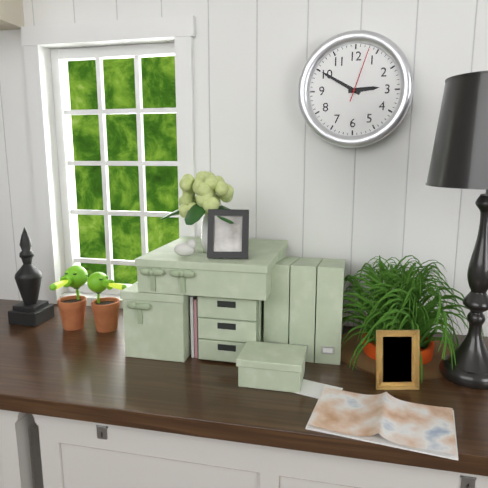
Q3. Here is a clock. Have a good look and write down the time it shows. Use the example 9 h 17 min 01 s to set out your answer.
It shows 2 h 50 min 03 s
